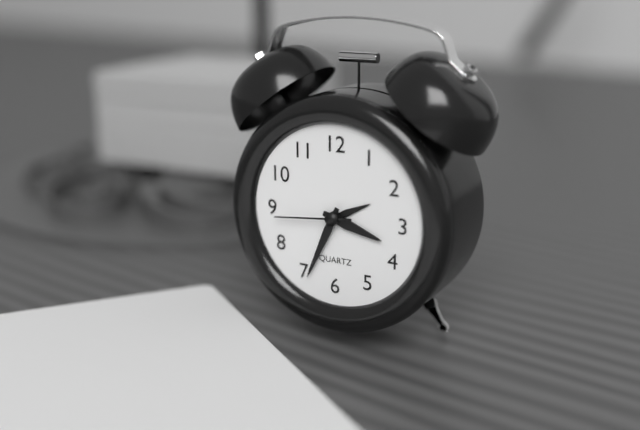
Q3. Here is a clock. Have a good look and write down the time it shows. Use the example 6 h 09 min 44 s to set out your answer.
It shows 3 h 34 min 44 s
